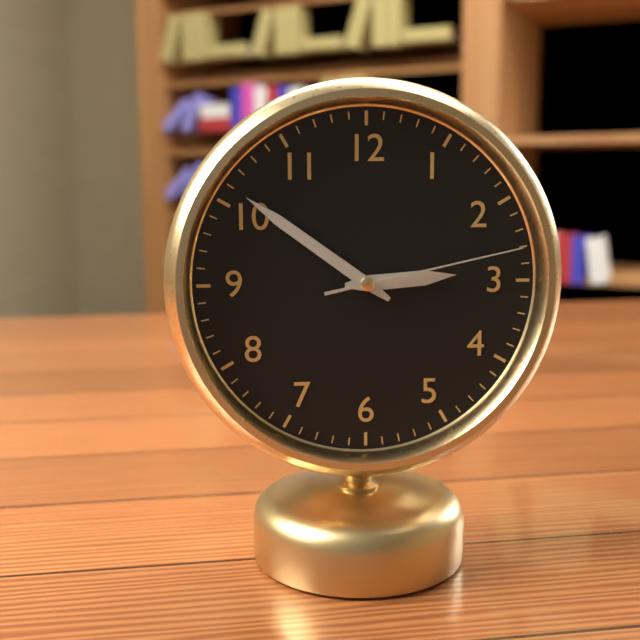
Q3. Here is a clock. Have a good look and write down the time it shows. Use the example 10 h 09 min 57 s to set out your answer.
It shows 2 h 51 min 13 s
